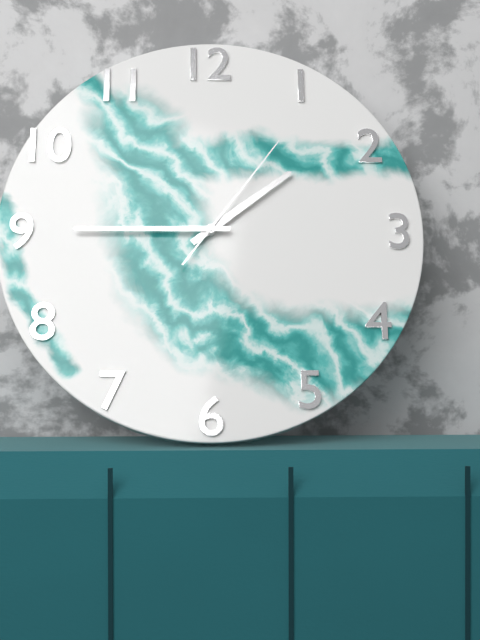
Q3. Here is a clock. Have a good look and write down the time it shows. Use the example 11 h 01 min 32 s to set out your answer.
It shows 1 h 45 min 06 s
